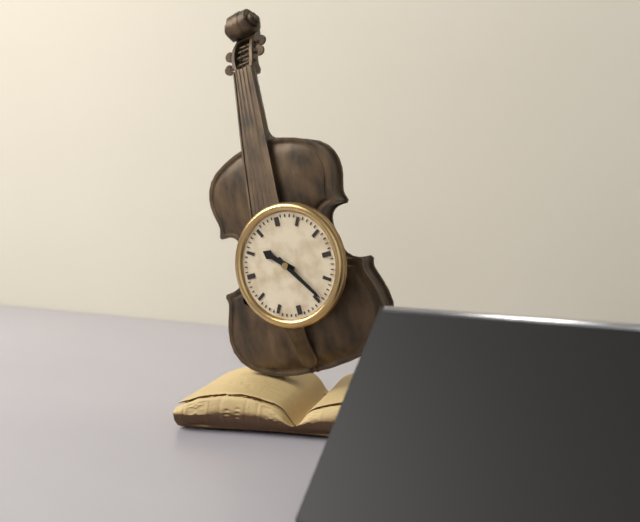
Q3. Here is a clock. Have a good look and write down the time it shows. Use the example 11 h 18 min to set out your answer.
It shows 10 h 24 min
